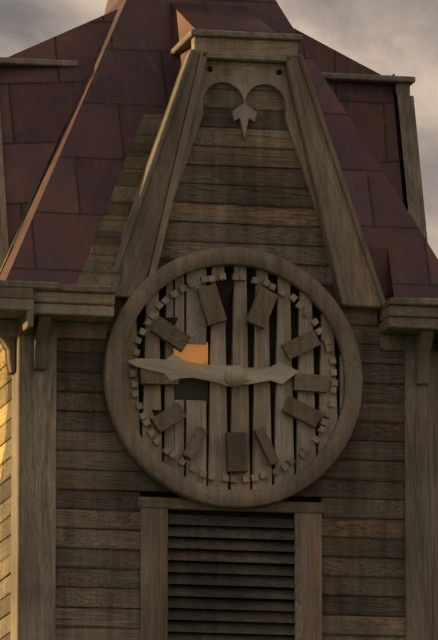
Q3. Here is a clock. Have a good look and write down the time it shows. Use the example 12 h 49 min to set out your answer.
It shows 2 h 46 min
